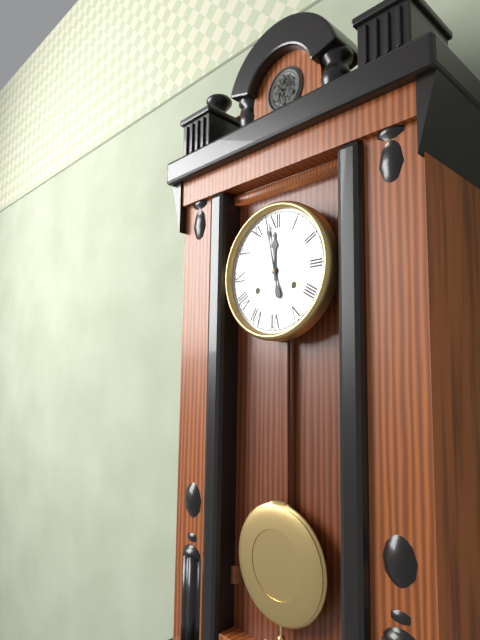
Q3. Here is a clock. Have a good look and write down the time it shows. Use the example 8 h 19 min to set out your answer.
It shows 11 h 58 min
